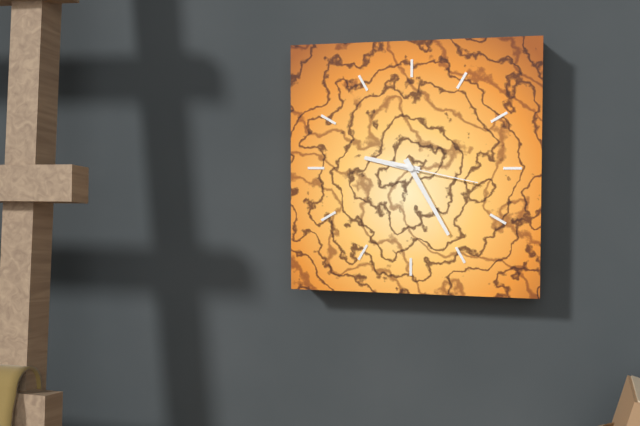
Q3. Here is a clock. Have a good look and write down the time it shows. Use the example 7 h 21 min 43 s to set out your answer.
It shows 9 h 25 min 17 s
